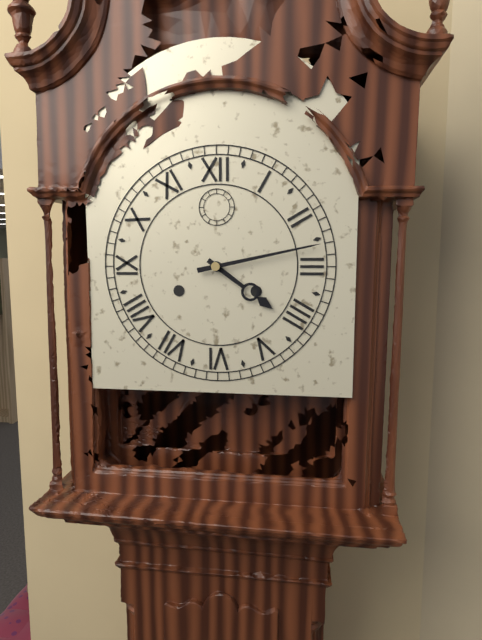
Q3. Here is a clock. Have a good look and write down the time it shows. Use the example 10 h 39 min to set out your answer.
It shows 4 h 13 min
